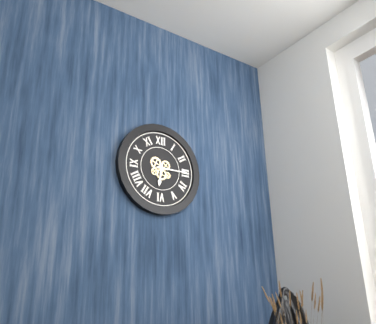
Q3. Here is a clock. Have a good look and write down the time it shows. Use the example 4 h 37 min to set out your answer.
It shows 6 h 15 min
